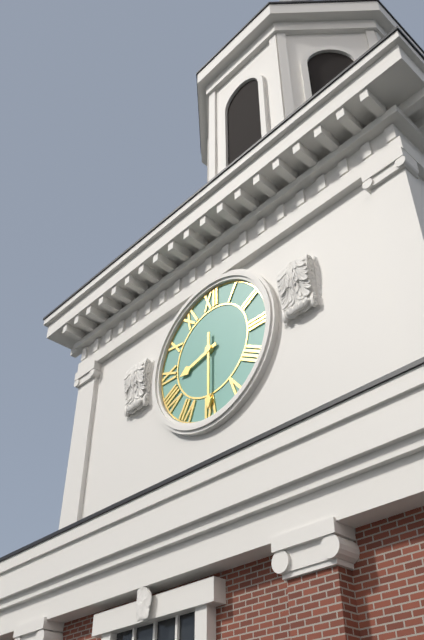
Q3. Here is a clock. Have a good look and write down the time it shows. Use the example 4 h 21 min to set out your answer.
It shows 8 h 30 min
